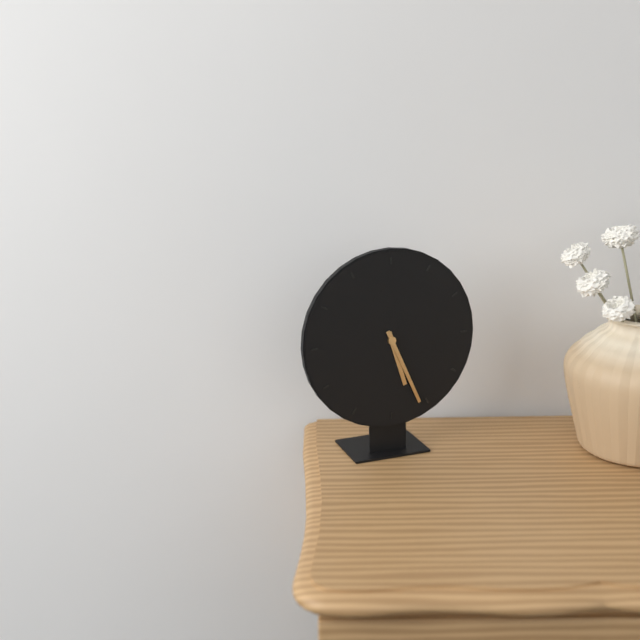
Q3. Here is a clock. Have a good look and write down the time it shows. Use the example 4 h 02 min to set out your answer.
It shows 5 h 26 min
